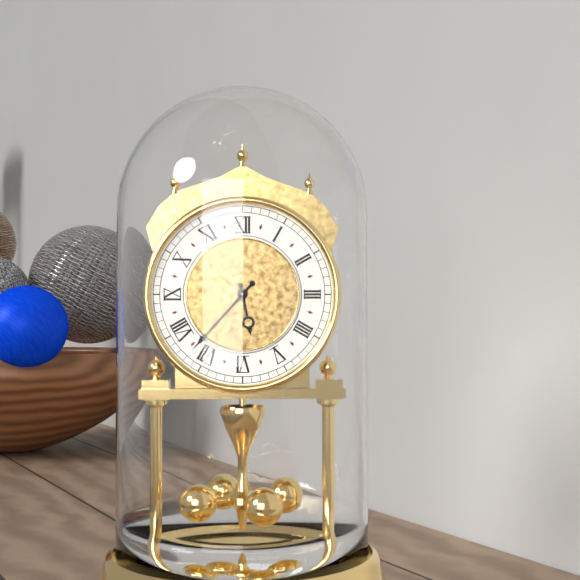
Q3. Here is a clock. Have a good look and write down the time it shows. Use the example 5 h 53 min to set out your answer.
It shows 5 h 37 min
